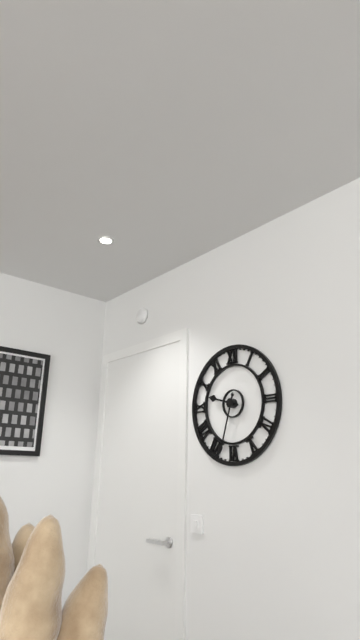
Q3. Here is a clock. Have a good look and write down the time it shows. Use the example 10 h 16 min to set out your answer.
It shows 9 h 33 min
